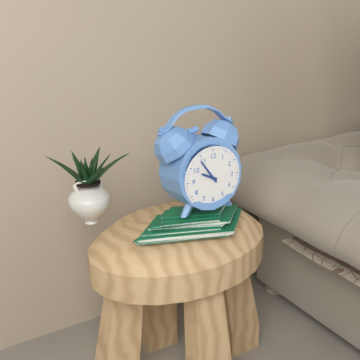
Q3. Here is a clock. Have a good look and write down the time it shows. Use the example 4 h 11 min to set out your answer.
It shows 9 h 54 min
